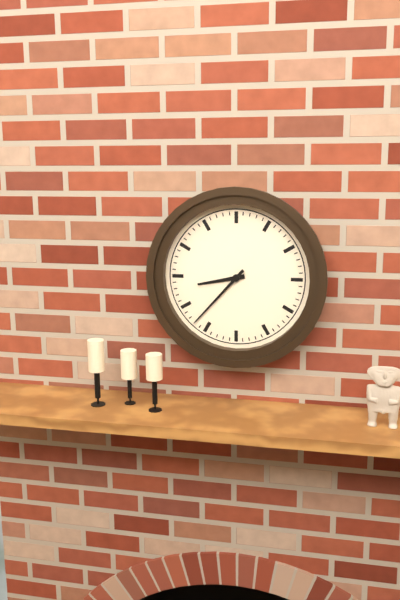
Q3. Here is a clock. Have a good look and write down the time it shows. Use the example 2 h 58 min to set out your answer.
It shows 8 h 37 min
